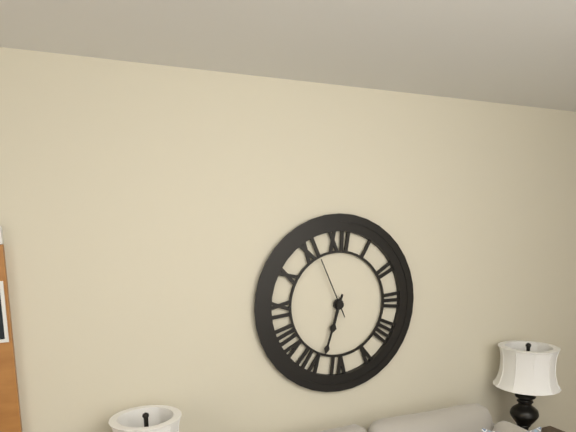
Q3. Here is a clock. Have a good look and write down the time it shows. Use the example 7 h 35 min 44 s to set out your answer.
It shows 6 h 33 min 56 s
